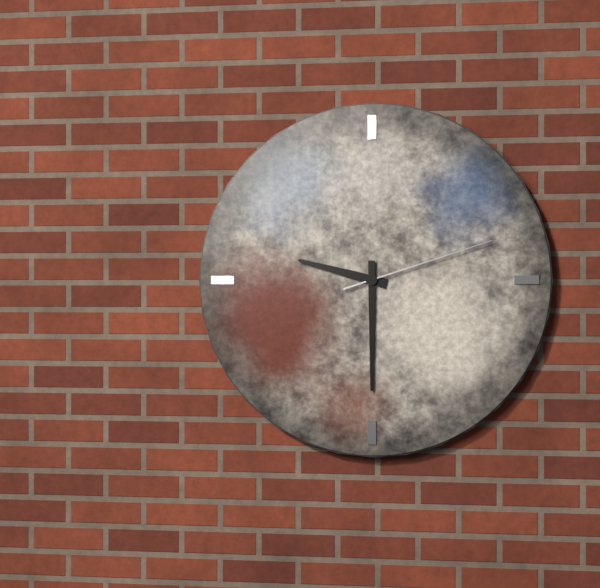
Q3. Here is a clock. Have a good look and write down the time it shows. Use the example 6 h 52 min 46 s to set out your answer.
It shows 9 h 30 min 12 s
